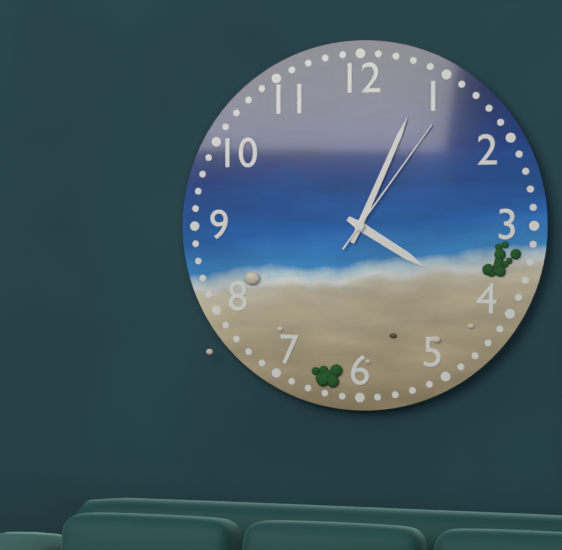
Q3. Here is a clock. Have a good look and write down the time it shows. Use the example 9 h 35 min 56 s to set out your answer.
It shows 4 h 04 min 06 s
